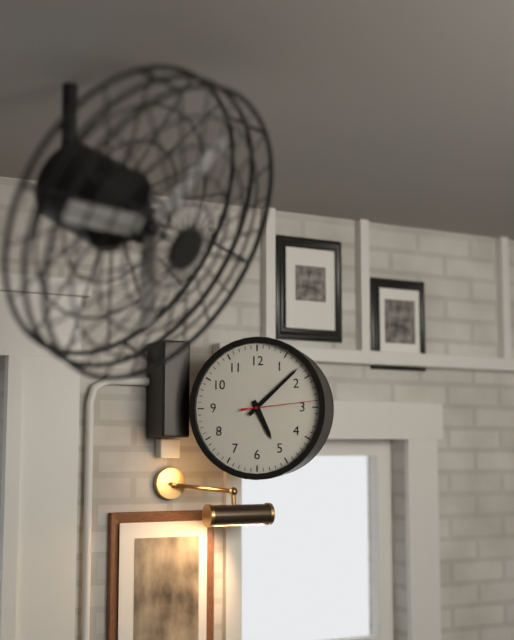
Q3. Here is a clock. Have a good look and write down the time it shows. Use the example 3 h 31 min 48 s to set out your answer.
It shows 5 h 08 min 14 s
